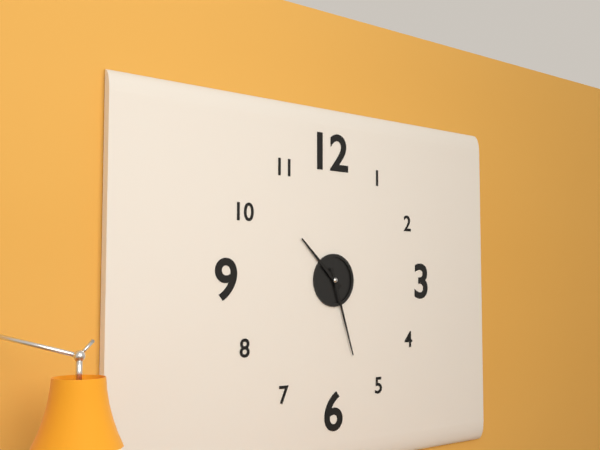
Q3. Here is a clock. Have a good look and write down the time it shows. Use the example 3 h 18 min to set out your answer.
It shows 10 h 27 min
